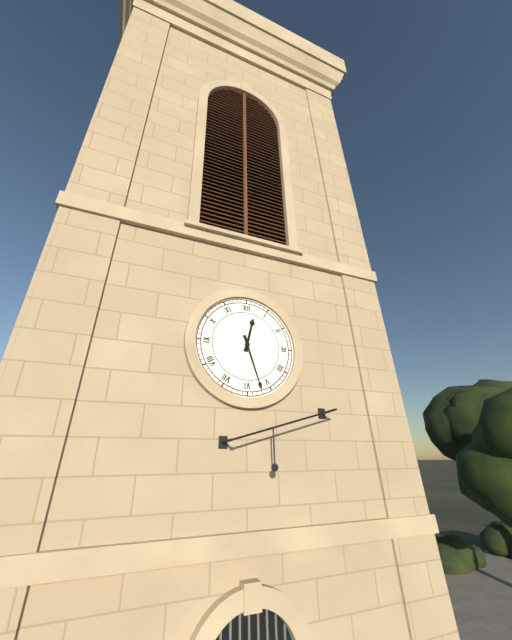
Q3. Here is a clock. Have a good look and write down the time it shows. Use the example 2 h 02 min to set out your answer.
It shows 12 h 27 min
